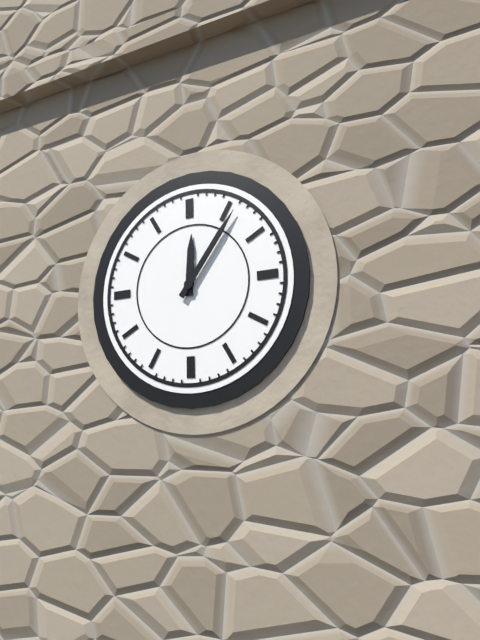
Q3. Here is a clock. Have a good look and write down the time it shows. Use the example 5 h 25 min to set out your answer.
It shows 12 h 06 min
